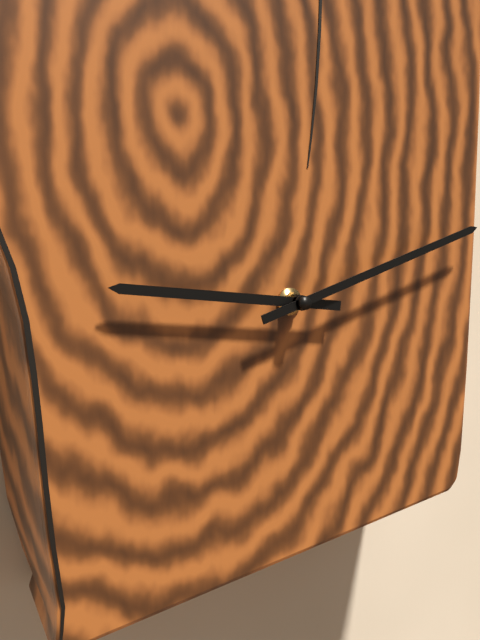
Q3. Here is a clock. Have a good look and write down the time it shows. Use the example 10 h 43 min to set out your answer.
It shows 9 h 12 min
